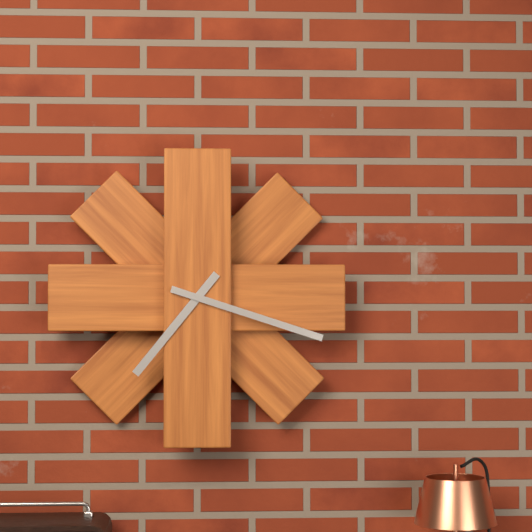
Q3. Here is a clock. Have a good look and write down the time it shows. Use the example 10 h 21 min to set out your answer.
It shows 7 h 18 min
